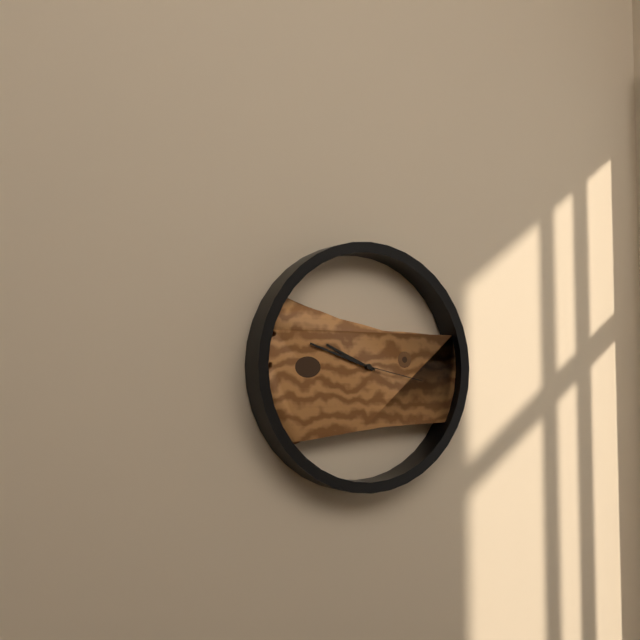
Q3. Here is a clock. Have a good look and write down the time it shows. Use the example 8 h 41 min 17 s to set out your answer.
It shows 9 h 48 min 17 s
